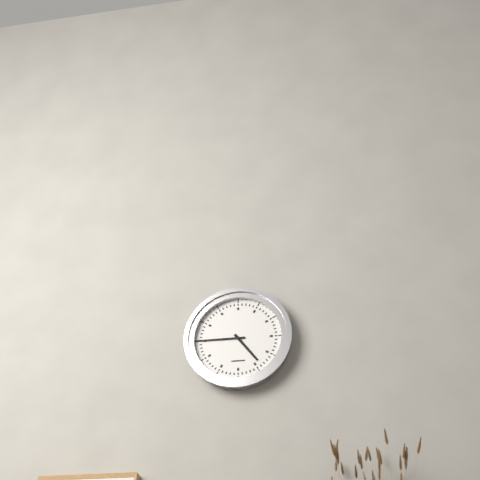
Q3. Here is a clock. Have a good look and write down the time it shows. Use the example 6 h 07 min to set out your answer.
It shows 4 h 45 min
